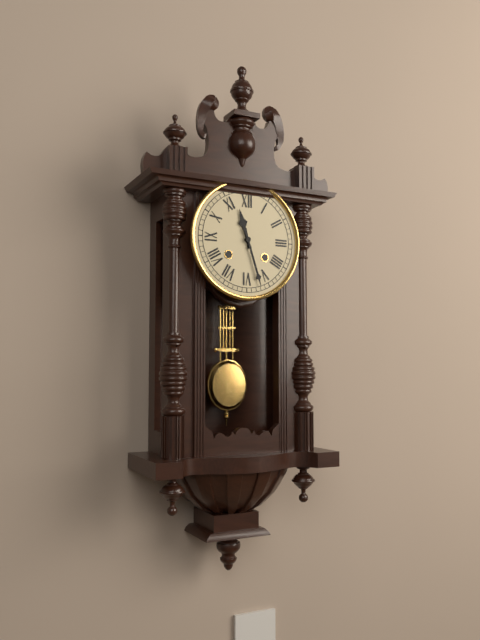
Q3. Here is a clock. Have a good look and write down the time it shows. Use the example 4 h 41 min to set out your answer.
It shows 11 h 27 min
